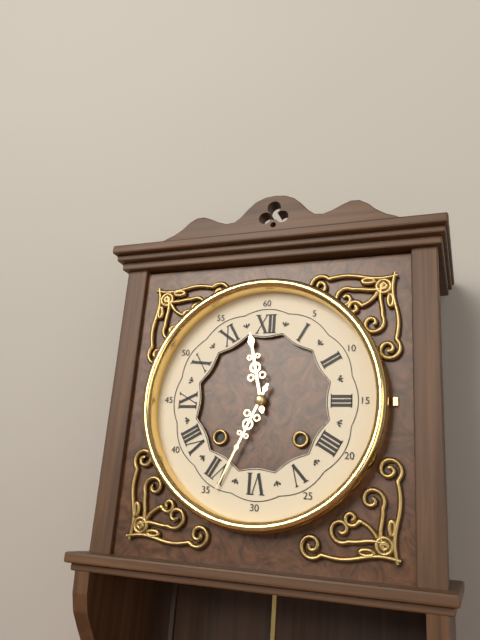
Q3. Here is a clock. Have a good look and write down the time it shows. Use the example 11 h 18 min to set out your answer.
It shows 11 h 34 min
